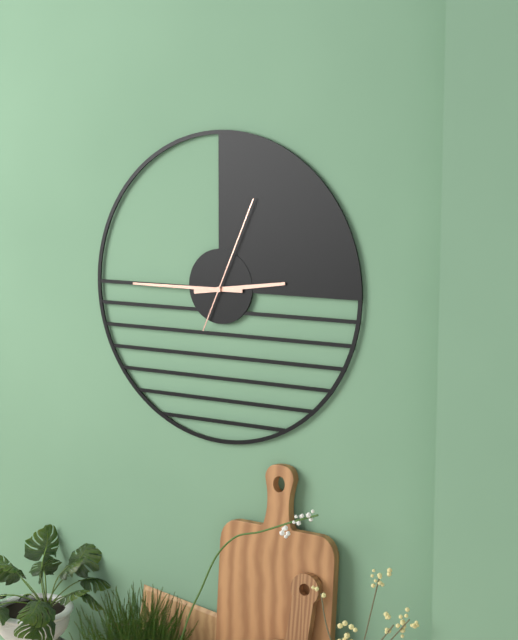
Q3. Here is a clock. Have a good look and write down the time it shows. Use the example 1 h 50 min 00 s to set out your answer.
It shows 2 h 45 min 04 s
